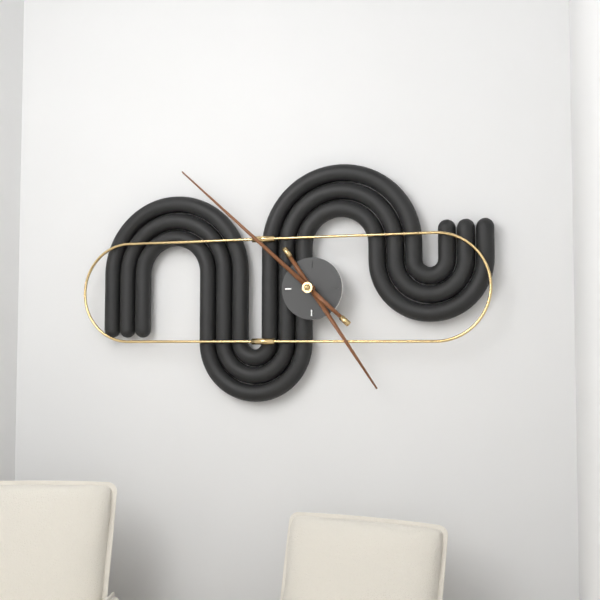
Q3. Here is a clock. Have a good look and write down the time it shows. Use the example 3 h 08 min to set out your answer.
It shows 4 h 52 min
